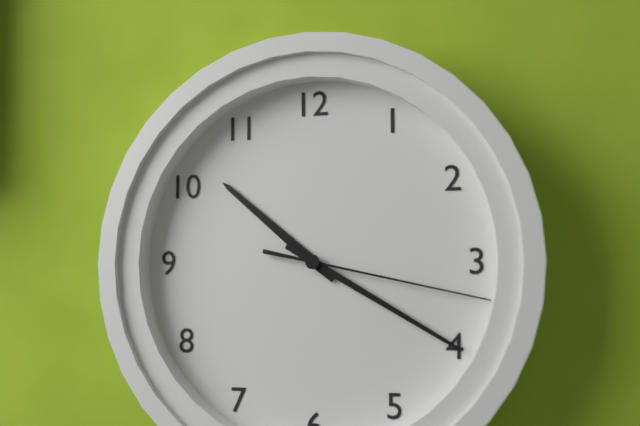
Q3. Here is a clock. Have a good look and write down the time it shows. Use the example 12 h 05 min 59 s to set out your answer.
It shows 10 h 20 min 17 s
